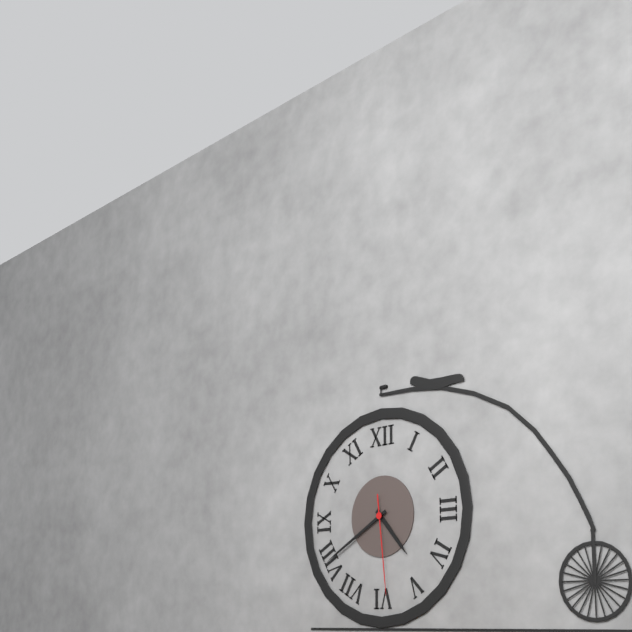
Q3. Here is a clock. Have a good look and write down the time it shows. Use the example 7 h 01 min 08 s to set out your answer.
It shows 4 h 40 min 29 s
